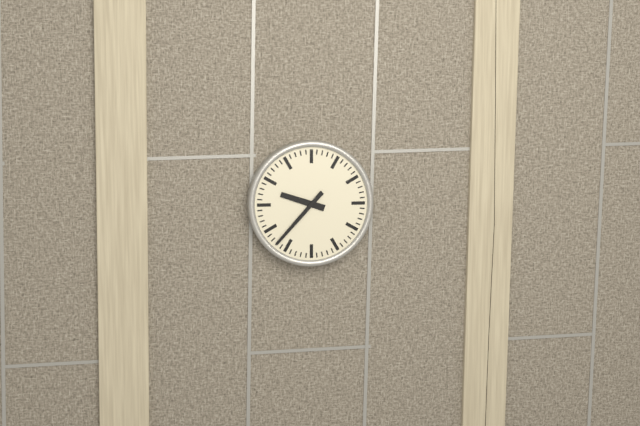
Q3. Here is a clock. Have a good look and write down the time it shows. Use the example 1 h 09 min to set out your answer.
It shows 9 h 37 min
